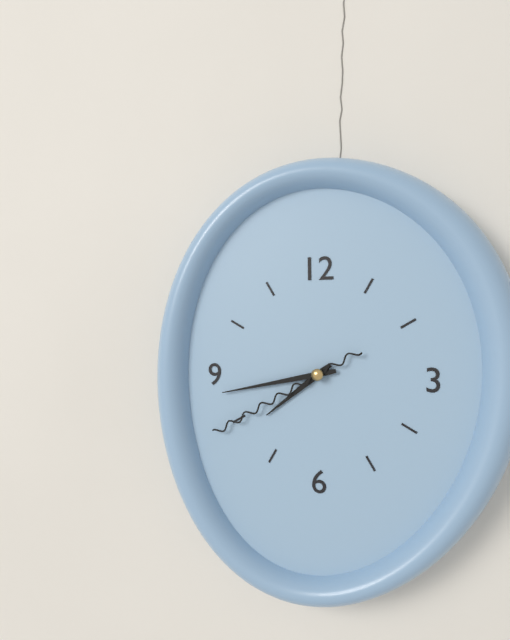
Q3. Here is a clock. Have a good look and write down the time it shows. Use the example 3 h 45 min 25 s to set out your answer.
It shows 7 h 43 min 40 s
